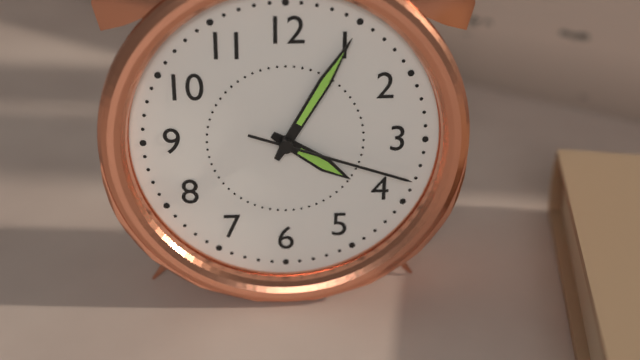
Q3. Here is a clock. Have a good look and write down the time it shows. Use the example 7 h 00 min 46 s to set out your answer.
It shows 4 h 05 min 18 s
